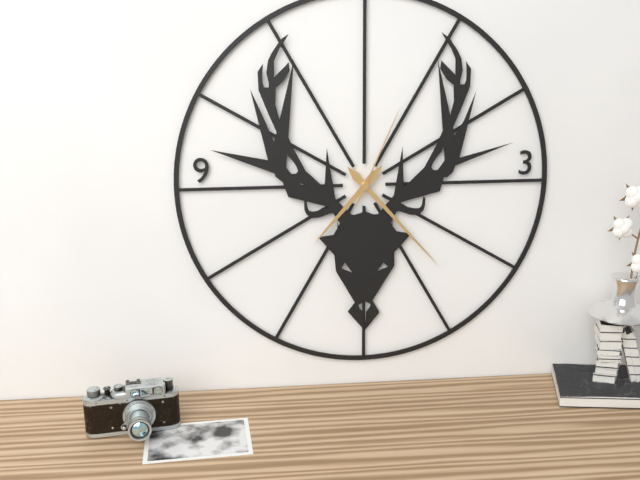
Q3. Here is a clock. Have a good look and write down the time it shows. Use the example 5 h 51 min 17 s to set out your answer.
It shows 7 h 23 min 04 s
